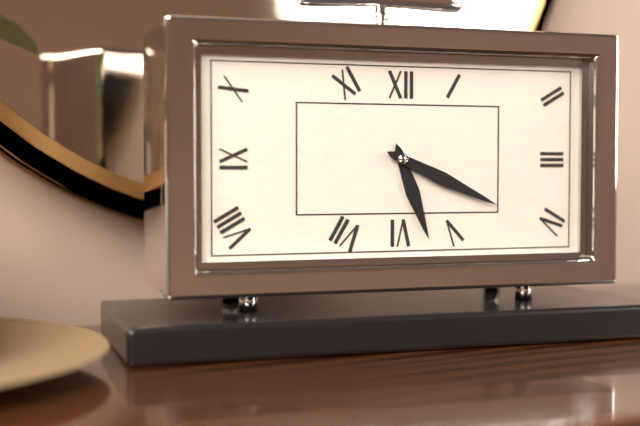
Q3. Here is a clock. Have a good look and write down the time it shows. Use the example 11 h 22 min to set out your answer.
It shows 5 h 19 min
